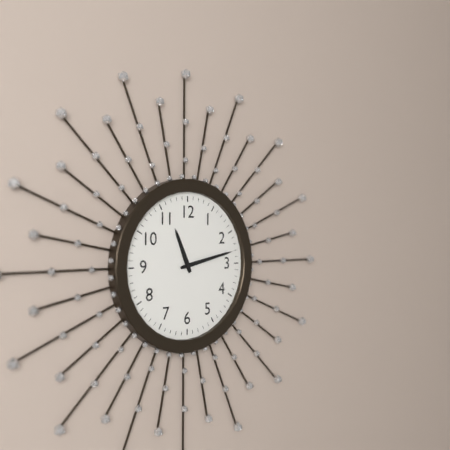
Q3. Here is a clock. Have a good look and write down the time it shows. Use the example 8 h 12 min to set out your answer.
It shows 11 h 13 min
